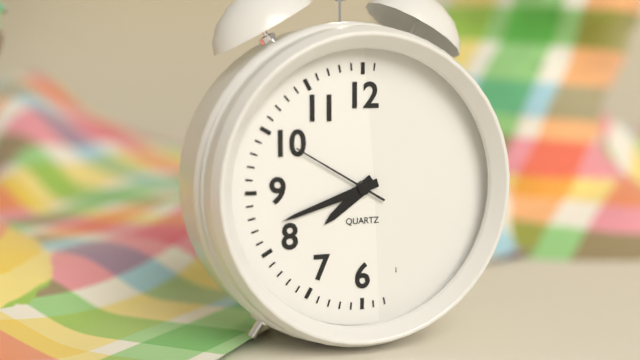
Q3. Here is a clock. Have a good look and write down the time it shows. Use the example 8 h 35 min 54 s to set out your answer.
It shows 7 h 42 min 50 s
